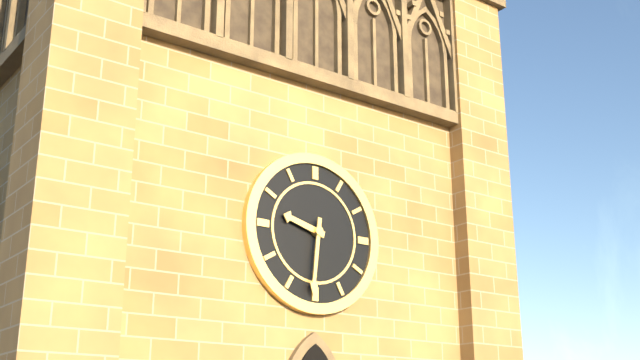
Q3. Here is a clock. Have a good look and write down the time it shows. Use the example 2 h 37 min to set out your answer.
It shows 9 h 31 min
